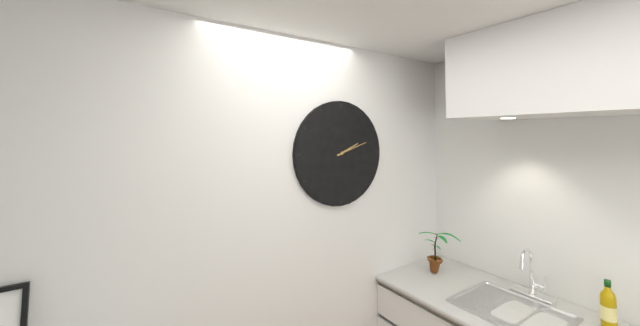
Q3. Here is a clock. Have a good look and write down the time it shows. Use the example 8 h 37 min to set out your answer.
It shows 2 h 12 min
